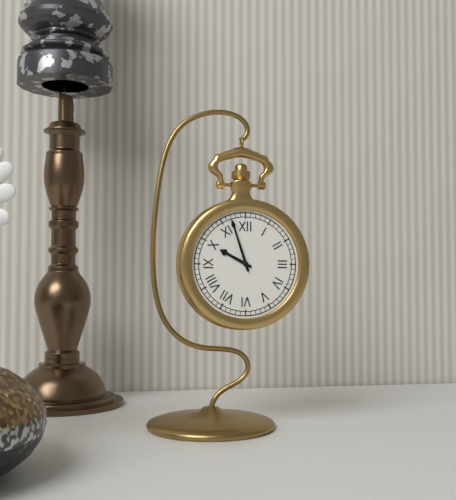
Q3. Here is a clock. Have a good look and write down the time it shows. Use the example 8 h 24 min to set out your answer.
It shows 9 h 57 min
